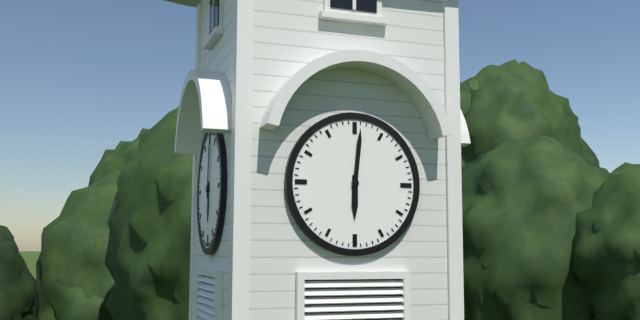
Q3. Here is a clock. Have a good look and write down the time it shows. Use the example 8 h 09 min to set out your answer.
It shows 6 h 01 min
